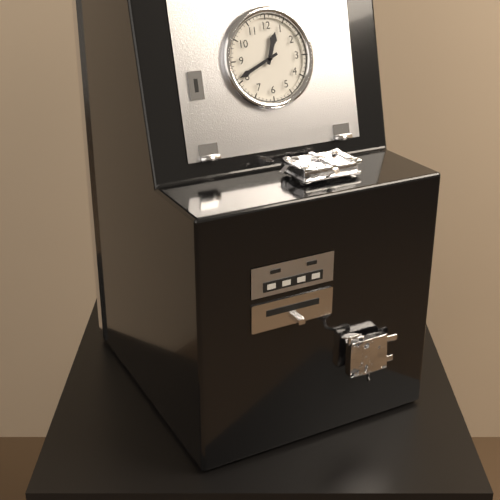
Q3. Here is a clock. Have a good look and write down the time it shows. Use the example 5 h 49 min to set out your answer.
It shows 12 h 41 min
